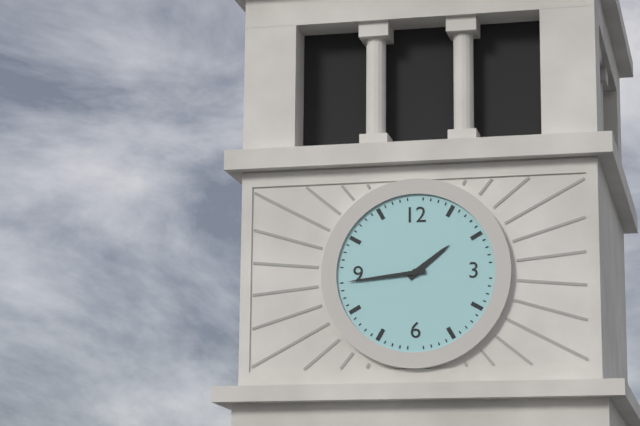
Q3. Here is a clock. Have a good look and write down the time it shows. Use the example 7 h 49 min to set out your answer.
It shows 1 h 44 min
